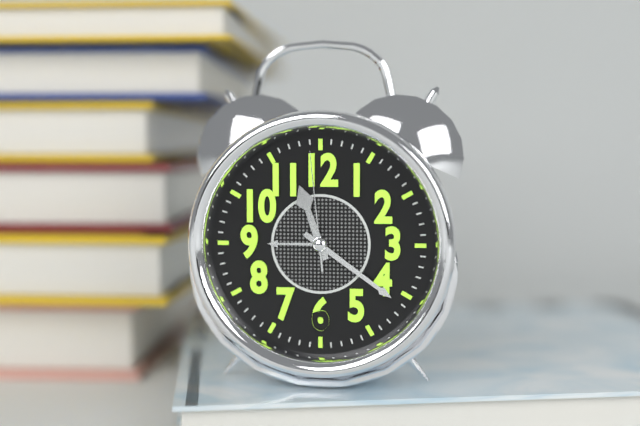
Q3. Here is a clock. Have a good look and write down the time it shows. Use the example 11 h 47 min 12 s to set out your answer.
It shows 11 h 21 min 59 s
